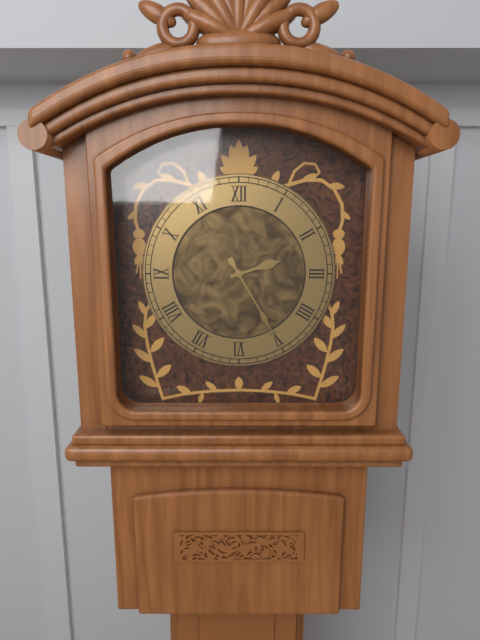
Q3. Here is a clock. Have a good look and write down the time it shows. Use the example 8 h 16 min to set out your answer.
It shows 2 h 25 min
